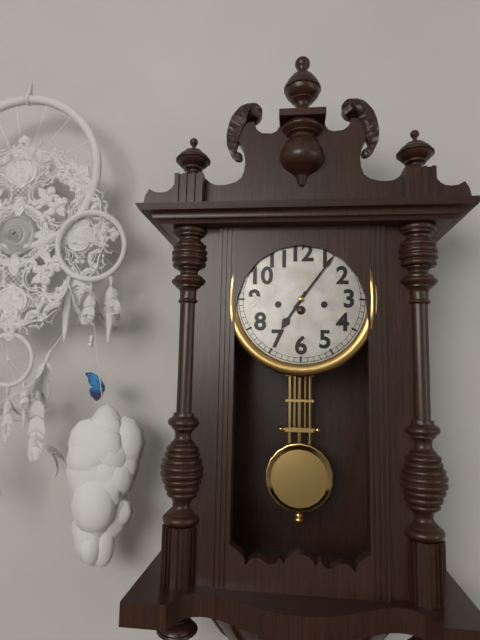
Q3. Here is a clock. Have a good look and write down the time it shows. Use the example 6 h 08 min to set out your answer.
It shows 7 h 06 min
